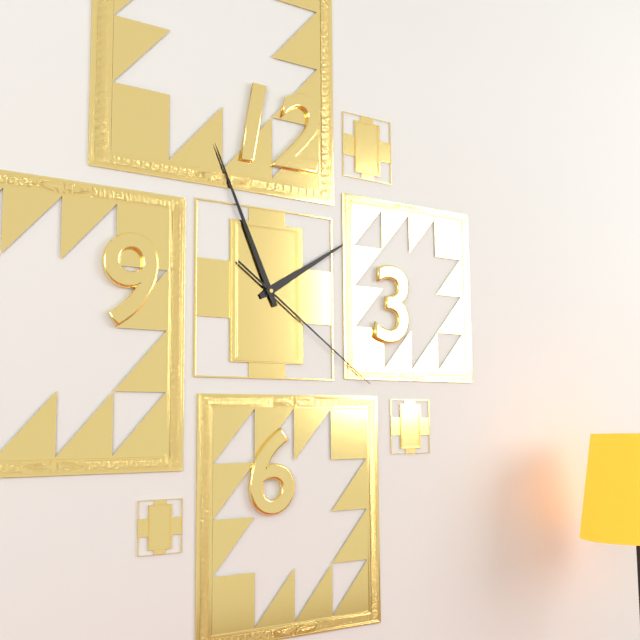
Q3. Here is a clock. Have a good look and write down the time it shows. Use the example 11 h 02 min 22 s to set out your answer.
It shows 1 h 56 min 21 s
